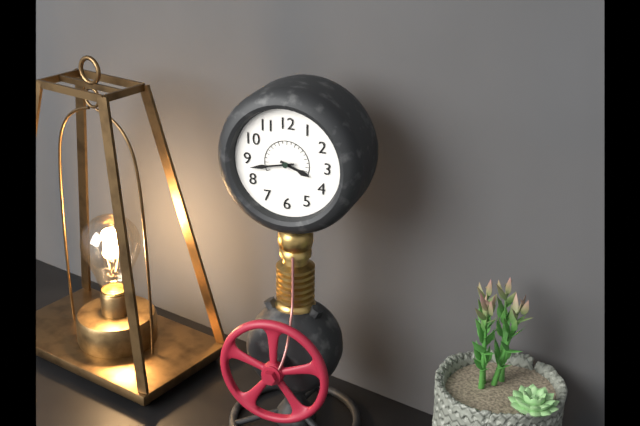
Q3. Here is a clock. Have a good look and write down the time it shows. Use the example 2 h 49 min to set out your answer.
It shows 3 h 43 min
